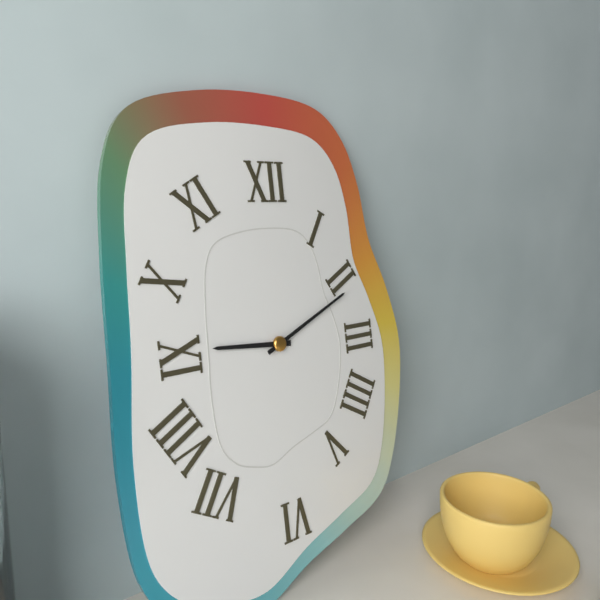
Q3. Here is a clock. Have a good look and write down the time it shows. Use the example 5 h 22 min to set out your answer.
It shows 9 h 11 min
